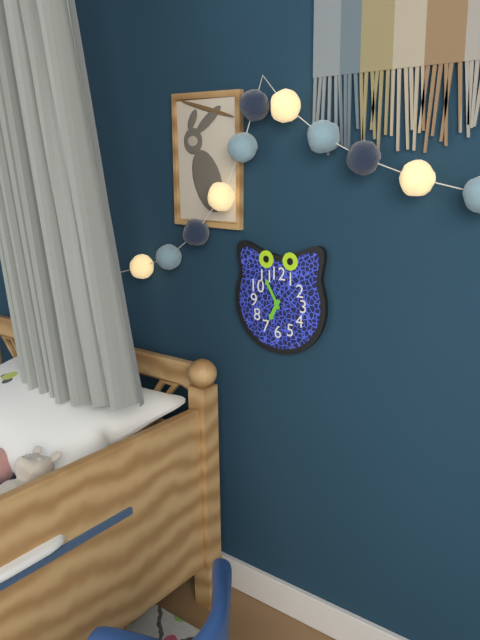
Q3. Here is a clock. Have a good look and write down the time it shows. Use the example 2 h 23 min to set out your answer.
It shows 6 h 55 min
